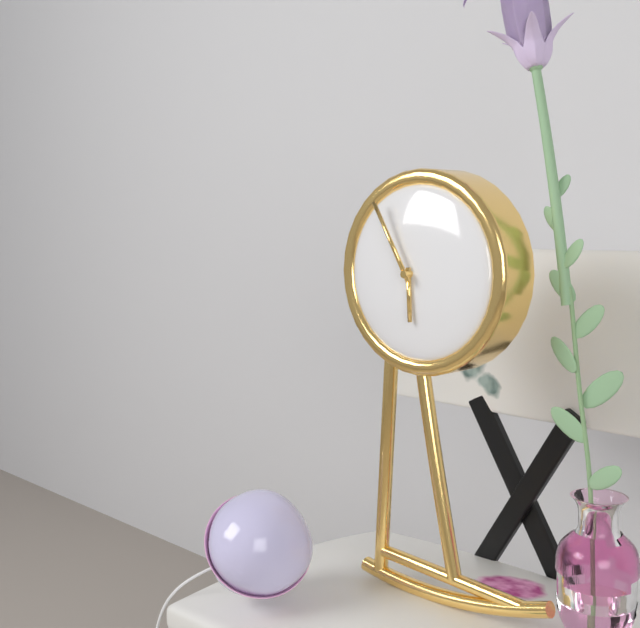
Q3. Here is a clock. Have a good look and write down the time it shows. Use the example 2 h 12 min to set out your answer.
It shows 5 h 55 min
